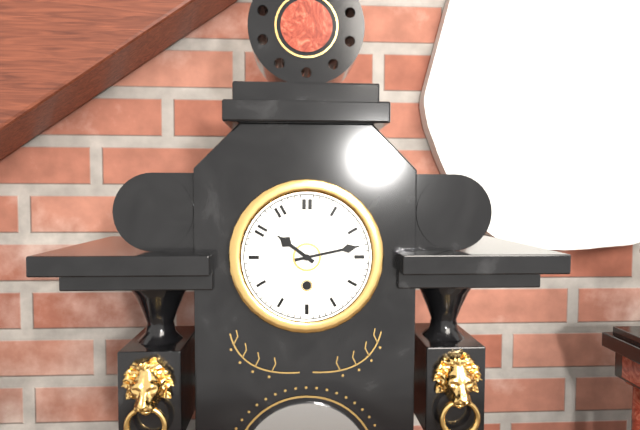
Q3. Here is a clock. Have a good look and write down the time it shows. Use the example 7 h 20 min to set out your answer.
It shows 10 h 13 min
